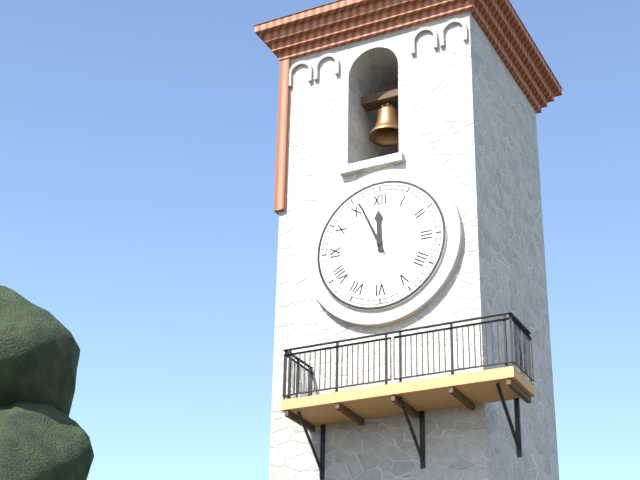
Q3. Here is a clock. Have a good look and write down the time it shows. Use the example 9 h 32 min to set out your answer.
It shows 11 h 56 min
